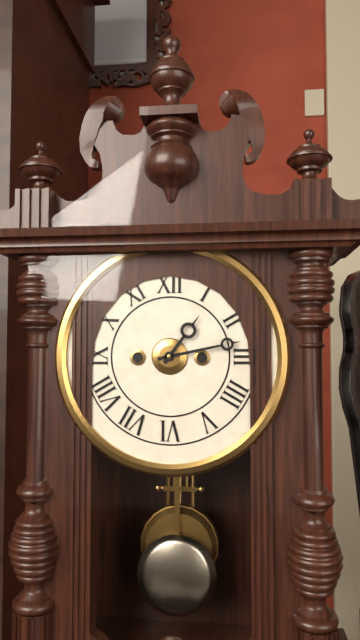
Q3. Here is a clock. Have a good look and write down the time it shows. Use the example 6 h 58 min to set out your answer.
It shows 1 h 13 min
